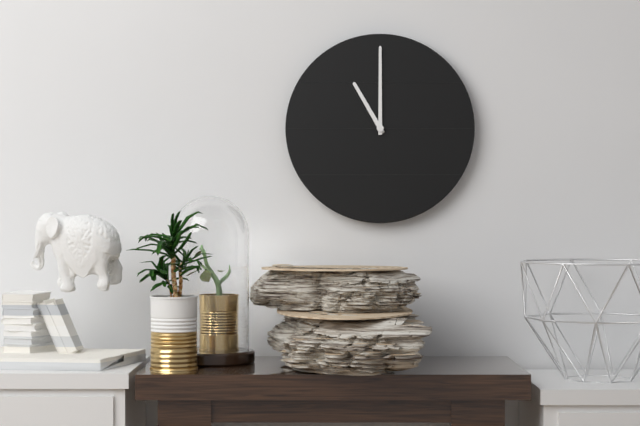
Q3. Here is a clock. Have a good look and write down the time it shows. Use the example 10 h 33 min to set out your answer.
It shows 11 h 00 min
